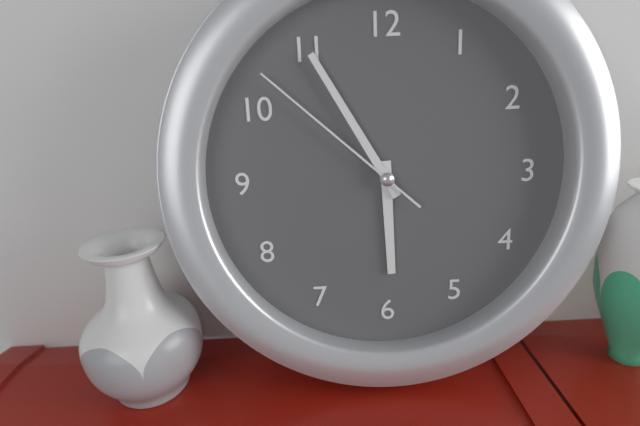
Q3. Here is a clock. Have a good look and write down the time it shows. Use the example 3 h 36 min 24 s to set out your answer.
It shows 5 h 55 min 52 s
